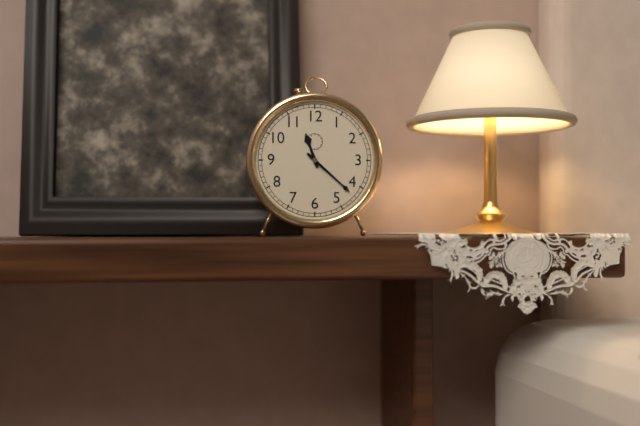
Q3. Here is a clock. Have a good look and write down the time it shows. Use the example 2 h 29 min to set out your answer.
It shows 11 h 22 min
